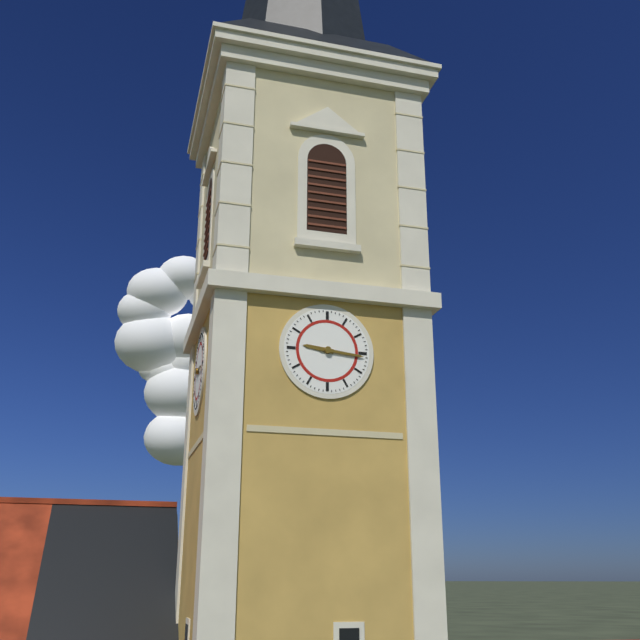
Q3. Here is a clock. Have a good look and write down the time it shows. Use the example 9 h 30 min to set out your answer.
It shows 9 h 16 min
